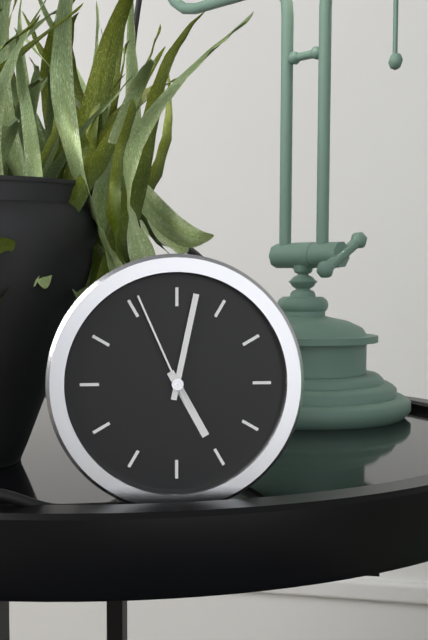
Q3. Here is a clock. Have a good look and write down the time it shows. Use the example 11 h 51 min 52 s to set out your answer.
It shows 5 h 02 min 56 s
